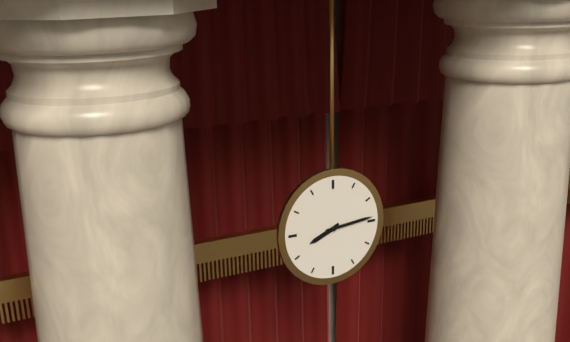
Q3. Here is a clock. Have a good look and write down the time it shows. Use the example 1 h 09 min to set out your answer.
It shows 8 h 14 min
